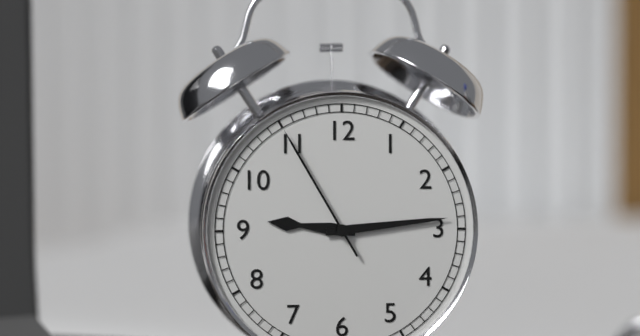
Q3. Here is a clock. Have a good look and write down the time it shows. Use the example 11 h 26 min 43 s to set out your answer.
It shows 9 h 14 min 55 s
